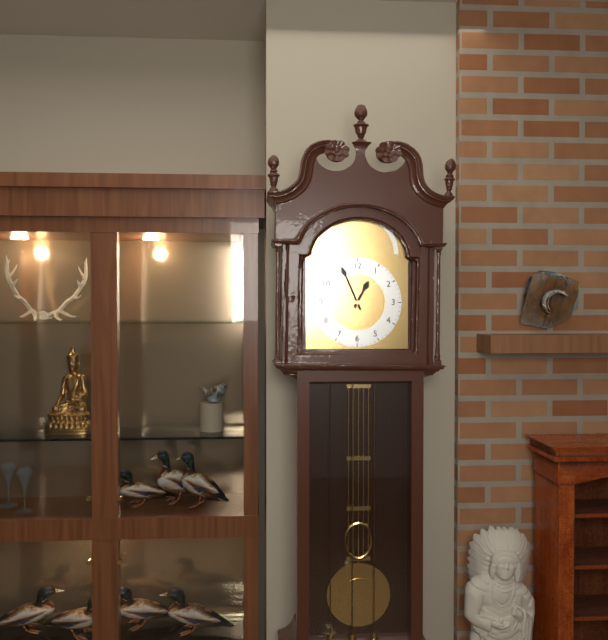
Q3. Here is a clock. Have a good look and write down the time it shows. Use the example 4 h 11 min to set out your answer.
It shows 12 h 56 min
